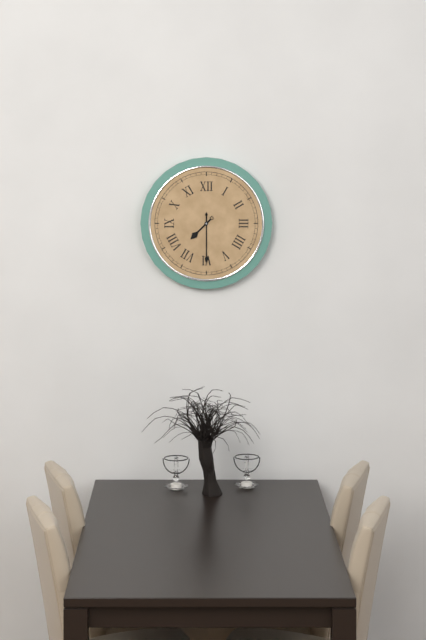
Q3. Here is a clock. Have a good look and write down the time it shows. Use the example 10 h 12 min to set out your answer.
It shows 7 h 30 min
